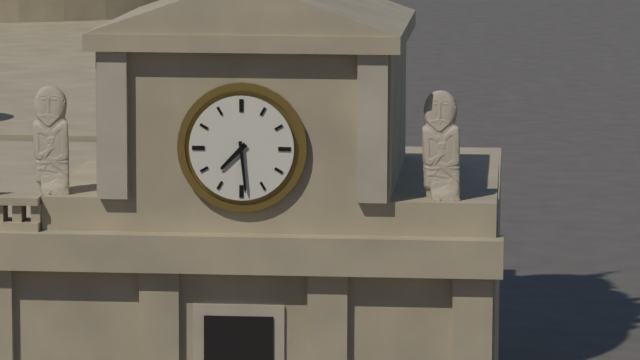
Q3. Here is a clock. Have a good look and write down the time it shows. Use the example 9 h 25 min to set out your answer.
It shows 7 h 29 min
